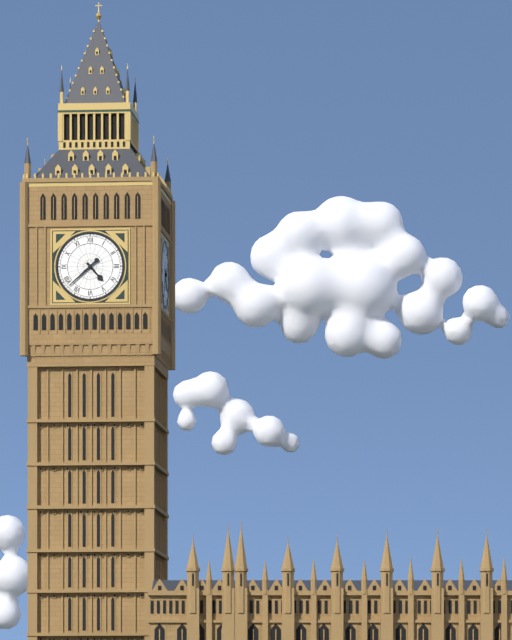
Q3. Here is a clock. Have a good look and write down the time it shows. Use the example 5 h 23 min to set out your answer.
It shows 4 h 38 min
